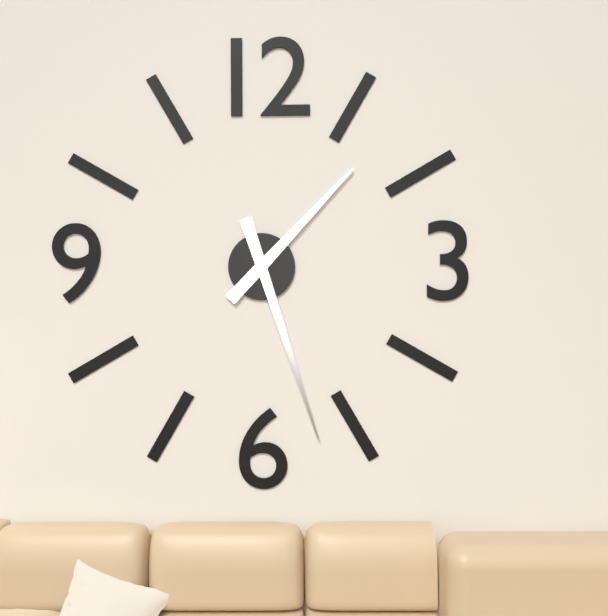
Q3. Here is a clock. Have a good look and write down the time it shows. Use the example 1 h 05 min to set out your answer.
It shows 1 h 27 min
